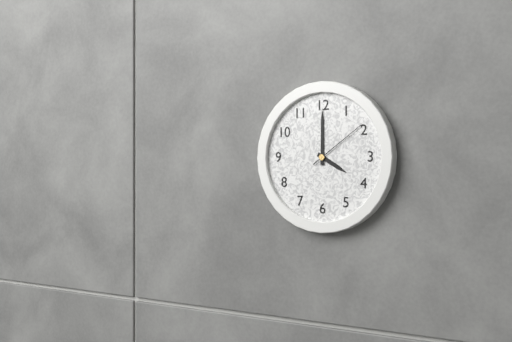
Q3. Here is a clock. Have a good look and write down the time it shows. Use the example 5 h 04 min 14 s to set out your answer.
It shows 4 h 00 min 09 s
